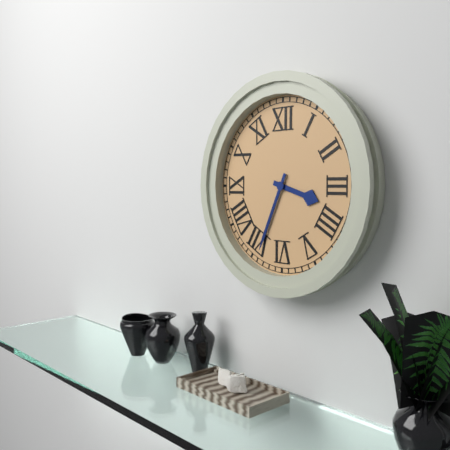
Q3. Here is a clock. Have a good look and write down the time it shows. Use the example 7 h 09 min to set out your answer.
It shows 3 h 34 min
